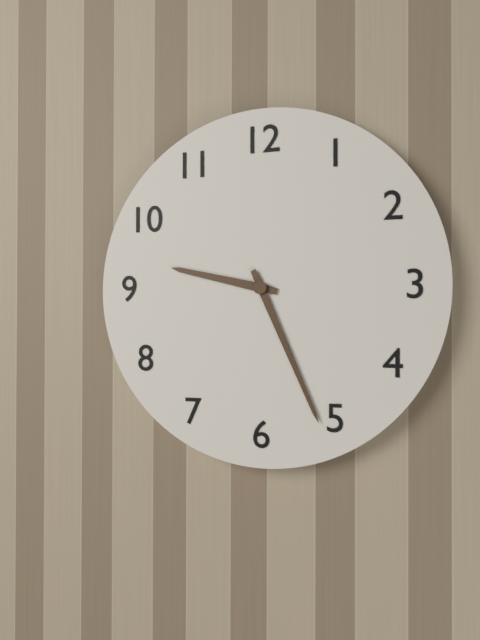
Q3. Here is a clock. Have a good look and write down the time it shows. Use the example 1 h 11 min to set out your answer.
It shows 9 h 26 min
